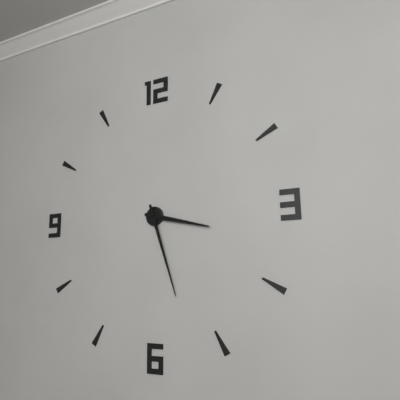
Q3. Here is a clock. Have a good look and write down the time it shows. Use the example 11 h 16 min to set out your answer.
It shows 3 h 27 min
